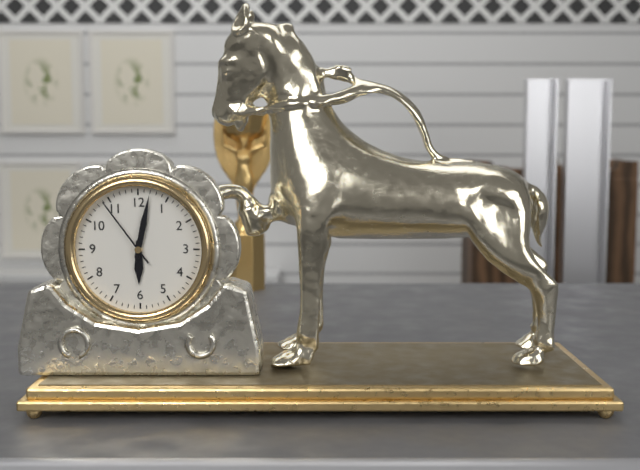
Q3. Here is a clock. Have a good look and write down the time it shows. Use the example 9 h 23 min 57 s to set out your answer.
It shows 6 h 02 min 54 s
